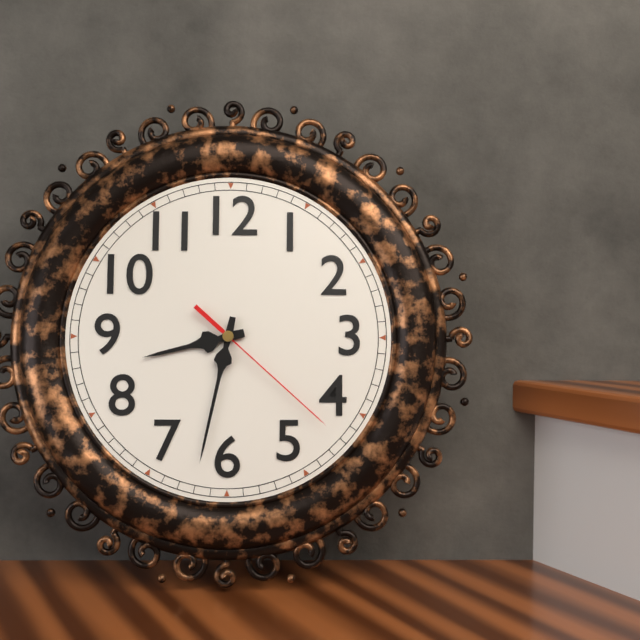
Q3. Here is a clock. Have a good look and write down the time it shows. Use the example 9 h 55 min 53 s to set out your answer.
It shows 8 h 32 min 22 s
